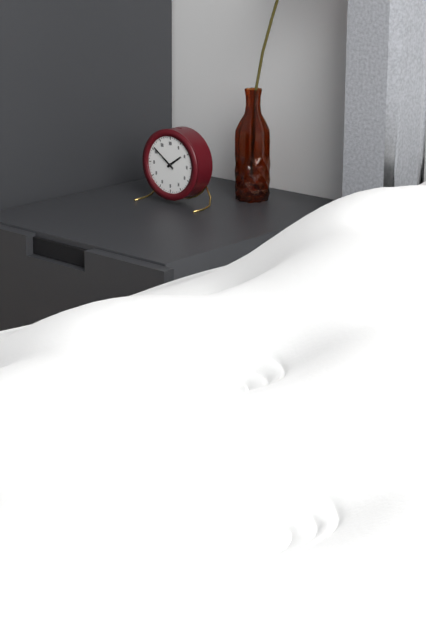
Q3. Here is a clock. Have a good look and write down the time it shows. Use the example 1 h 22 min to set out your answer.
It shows 1 h 51 min
